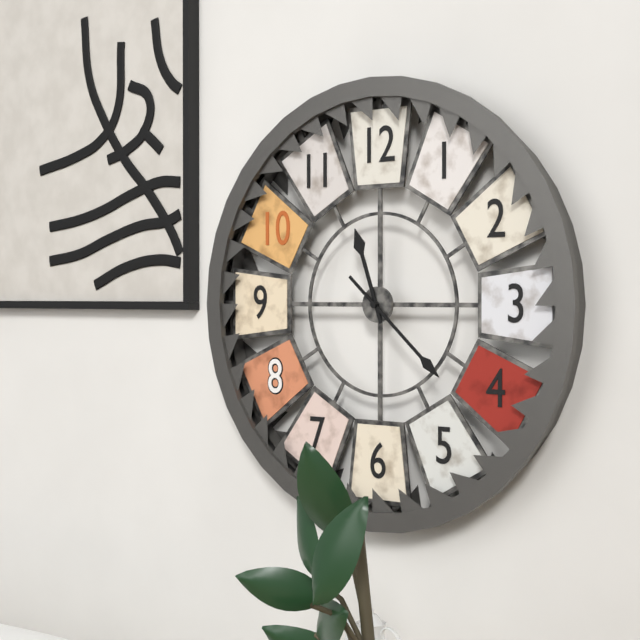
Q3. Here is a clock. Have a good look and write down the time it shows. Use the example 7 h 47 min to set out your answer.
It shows 11 h 22 min
